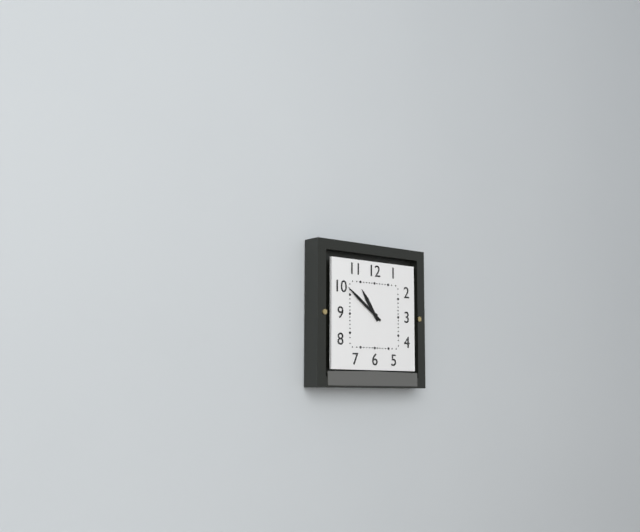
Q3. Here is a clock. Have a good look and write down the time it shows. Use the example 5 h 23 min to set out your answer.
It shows 10 h 51 min
